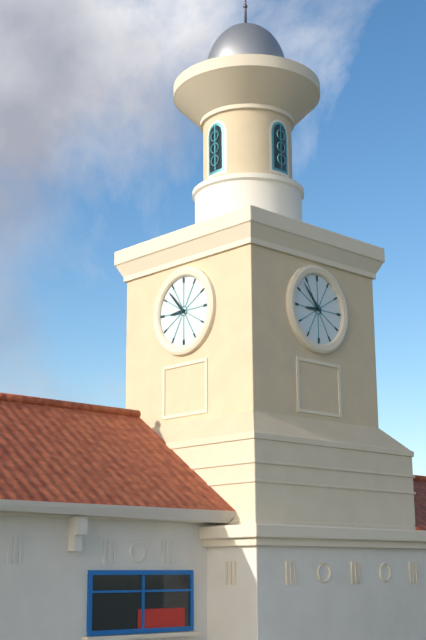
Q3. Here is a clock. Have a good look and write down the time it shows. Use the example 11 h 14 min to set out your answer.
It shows 8 h 53 min
